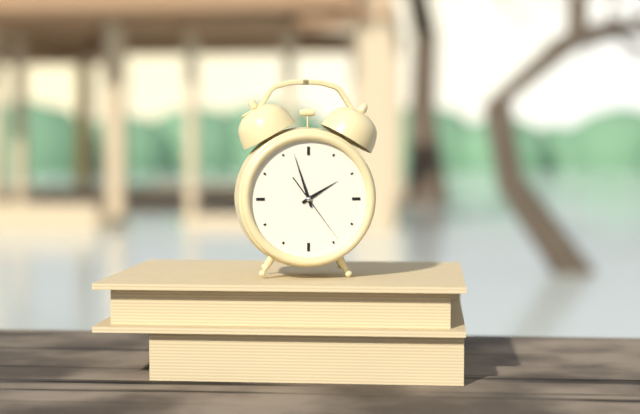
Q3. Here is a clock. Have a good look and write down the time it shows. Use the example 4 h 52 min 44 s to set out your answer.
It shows 1 h 57 min 24 s
